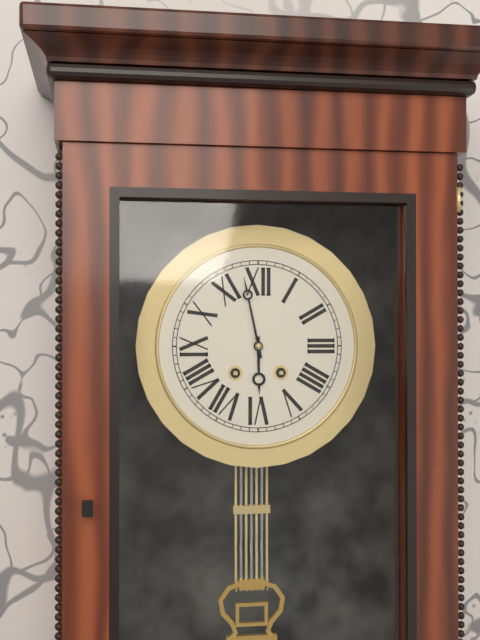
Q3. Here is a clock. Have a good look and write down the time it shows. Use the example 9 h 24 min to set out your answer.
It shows 5 h 58 min
